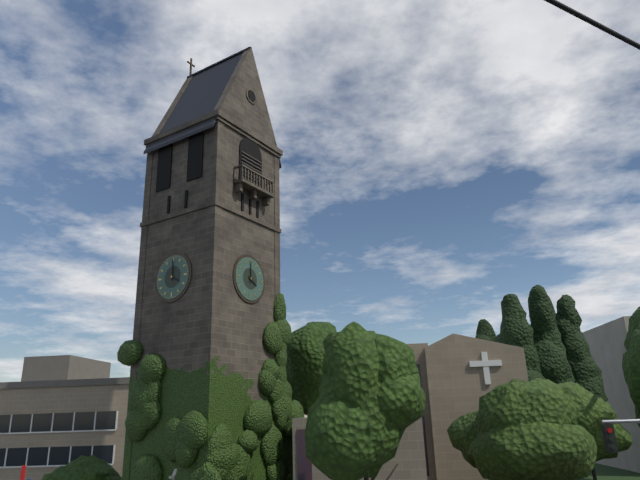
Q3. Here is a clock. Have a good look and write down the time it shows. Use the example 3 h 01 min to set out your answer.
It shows 4 h 00 min
